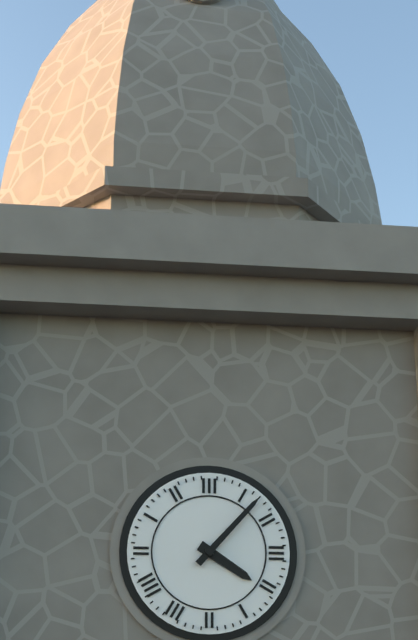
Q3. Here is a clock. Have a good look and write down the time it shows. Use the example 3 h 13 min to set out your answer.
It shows 4 h 07 min
